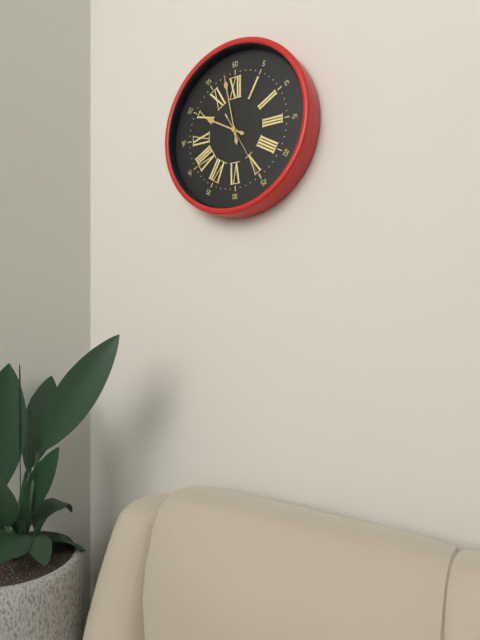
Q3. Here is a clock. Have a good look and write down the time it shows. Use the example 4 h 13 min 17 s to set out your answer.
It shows 9 h 58 min 25 s
